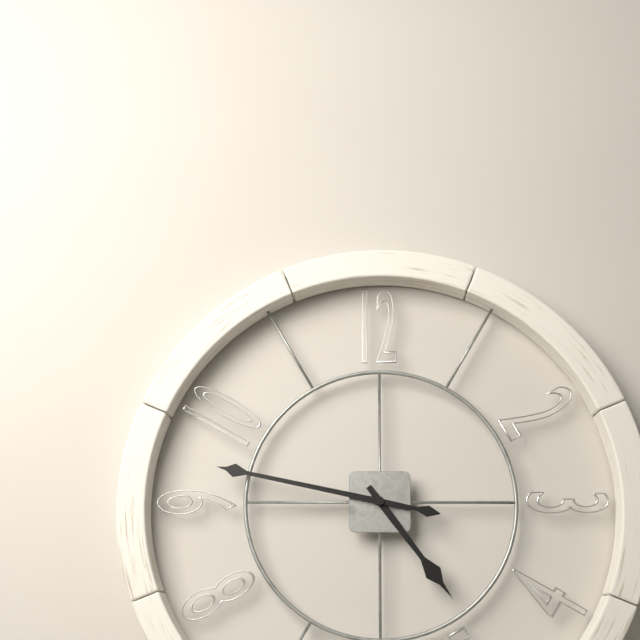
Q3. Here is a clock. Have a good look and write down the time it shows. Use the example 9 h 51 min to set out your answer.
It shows 4 h 47 min
